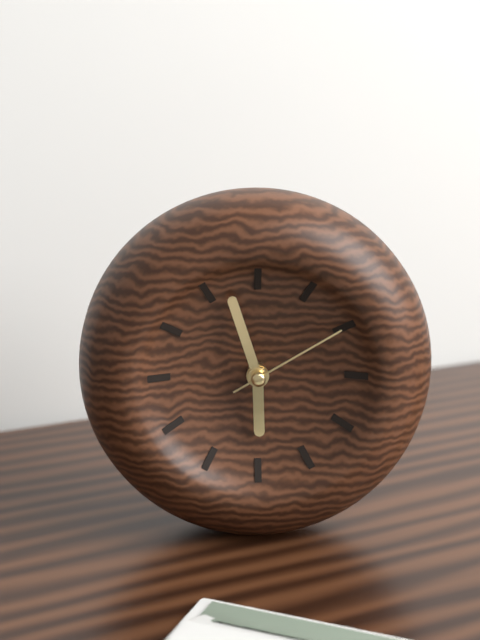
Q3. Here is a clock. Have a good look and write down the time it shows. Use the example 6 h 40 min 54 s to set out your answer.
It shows 5 h 57 min 10 s
